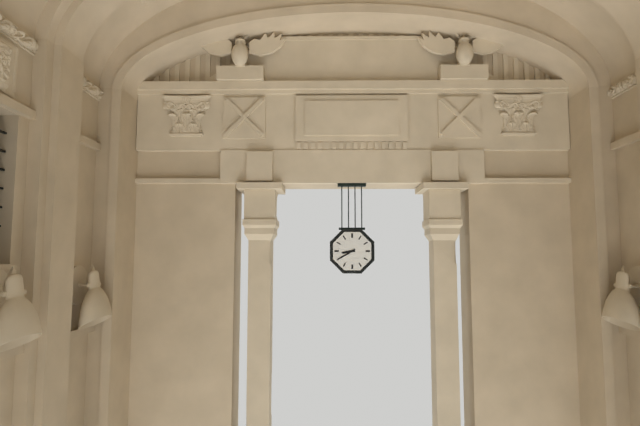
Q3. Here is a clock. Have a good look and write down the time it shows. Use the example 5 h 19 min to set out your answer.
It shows 8 h 40 min
